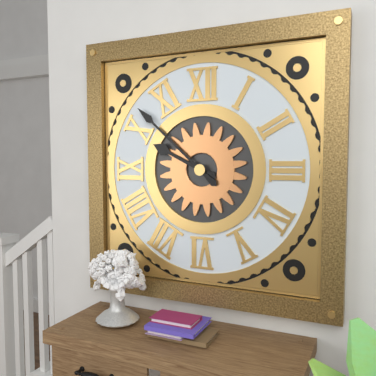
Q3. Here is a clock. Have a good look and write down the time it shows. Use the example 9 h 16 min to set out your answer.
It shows 9 h 52 min
